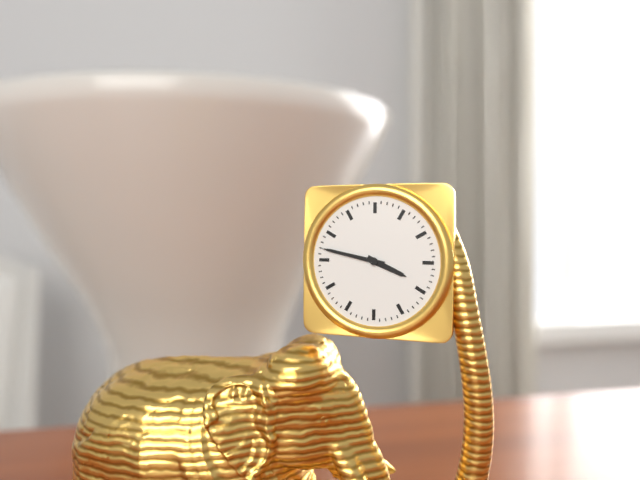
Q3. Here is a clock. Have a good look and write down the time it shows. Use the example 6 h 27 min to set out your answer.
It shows 3 h 47 min
